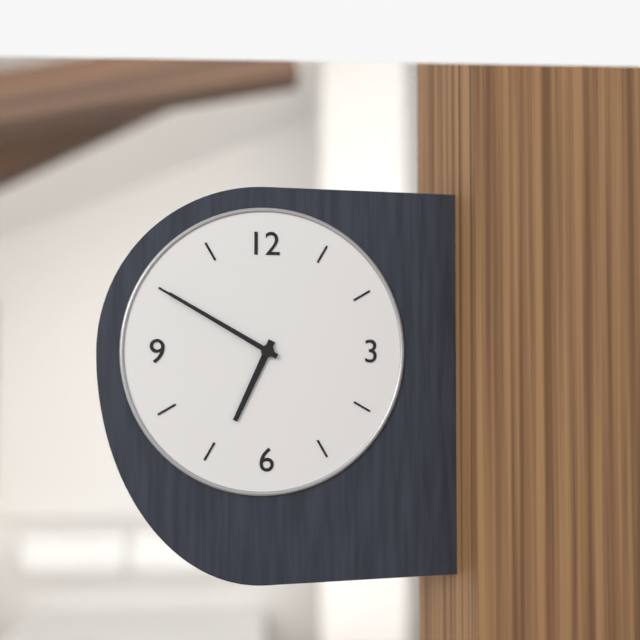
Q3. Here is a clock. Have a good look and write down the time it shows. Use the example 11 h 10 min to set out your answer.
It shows 6 h 50 min
